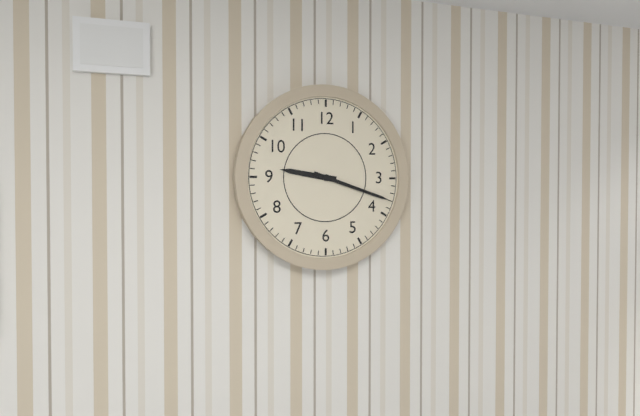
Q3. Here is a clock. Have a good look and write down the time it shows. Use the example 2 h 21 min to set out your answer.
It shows 9 h 18 min
